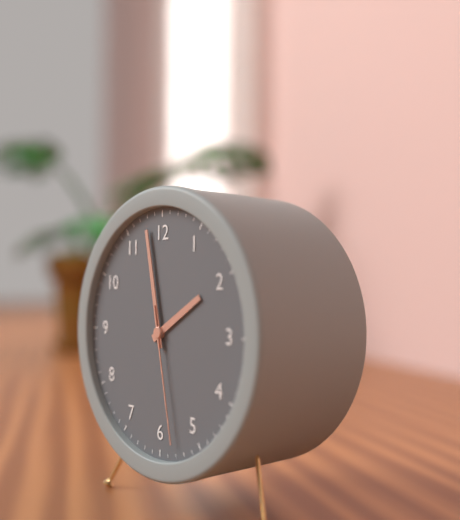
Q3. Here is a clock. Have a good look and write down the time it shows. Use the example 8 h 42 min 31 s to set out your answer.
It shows 1 h 58 min 28 s
